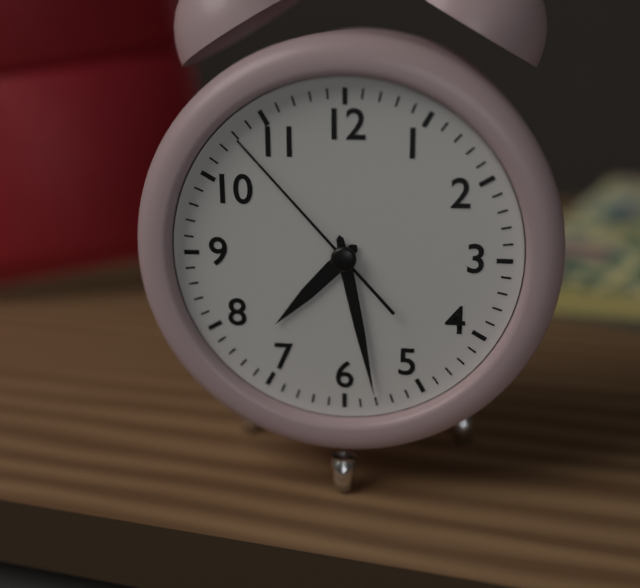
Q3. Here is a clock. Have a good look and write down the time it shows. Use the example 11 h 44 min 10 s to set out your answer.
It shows 7 h 28 min 53 s
